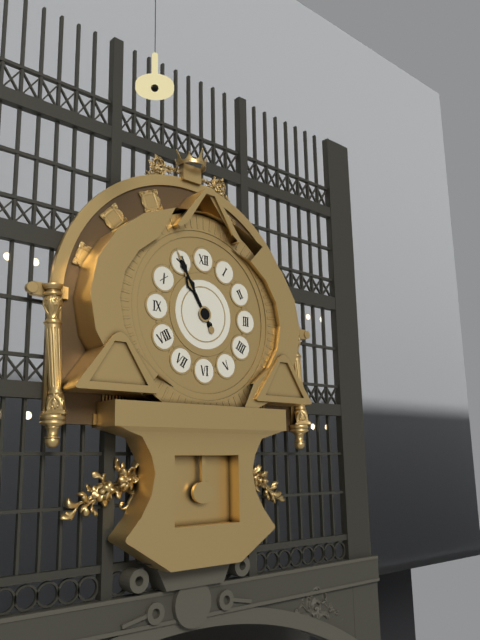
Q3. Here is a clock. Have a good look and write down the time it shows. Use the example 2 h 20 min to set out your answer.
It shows 10 h 55 min
